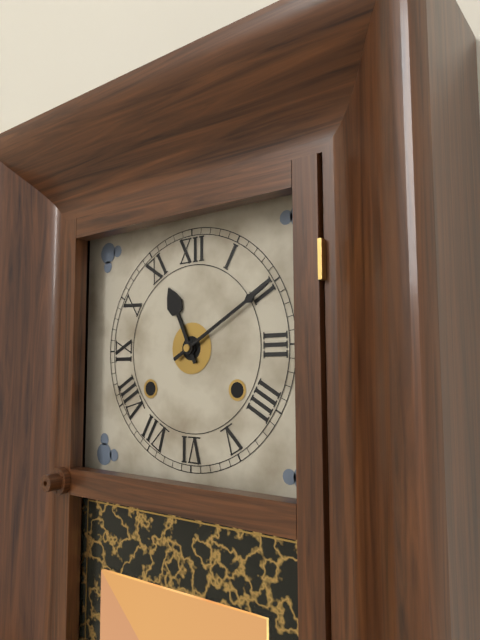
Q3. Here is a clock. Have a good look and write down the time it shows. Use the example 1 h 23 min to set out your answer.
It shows 11 h 10 min
